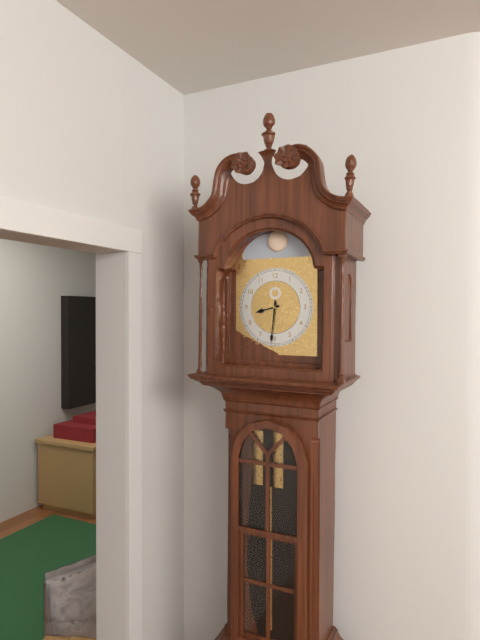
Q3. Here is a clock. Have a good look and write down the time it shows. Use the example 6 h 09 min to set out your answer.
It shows 8 h 31 min
